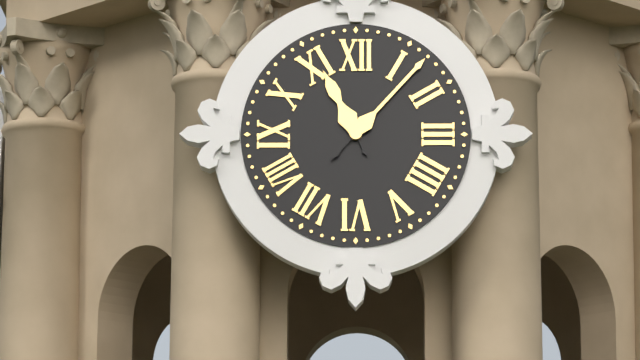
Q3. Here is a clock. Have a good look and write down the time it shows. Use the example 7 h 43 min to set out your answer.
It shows 11 h 07 min
